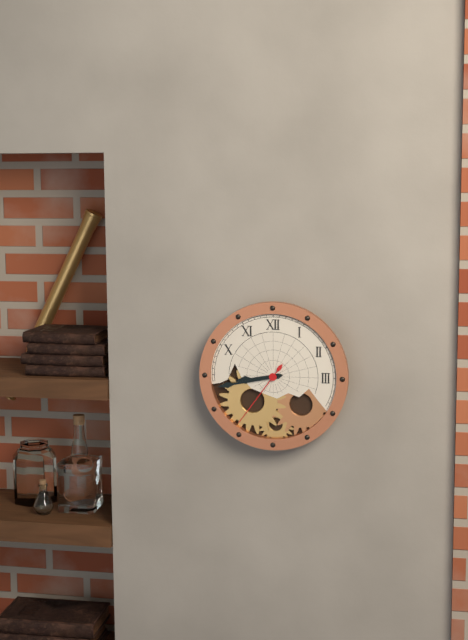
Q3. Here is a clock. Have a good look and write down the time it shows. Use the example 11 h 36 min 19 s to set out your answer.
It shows 8 h 43 min 36 s
